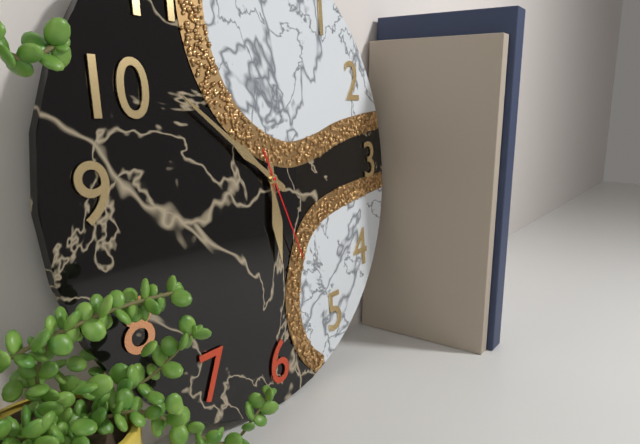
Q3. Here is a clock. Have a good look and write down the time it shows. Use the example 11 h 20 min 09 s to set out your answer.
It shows 5 h 51 min 26 s
